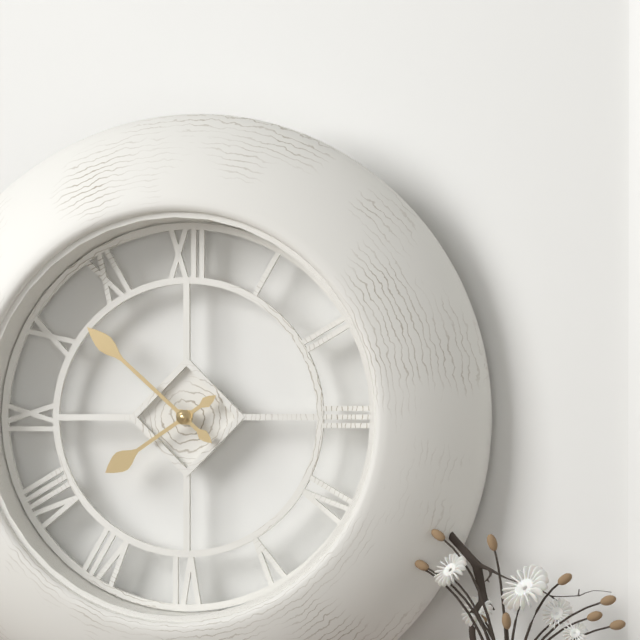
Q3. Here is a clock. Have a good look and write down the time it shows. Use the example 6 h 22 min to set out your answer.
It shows 7 h 52 min
